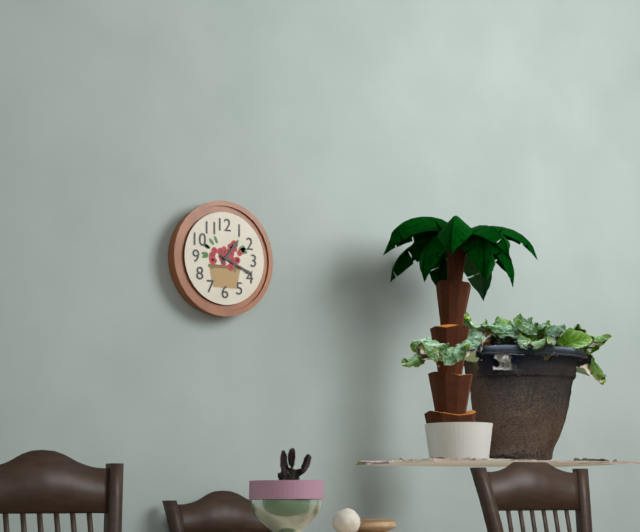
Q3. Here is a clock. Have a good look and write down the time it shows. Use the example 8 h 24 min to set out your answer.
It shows 1 h 19 min
